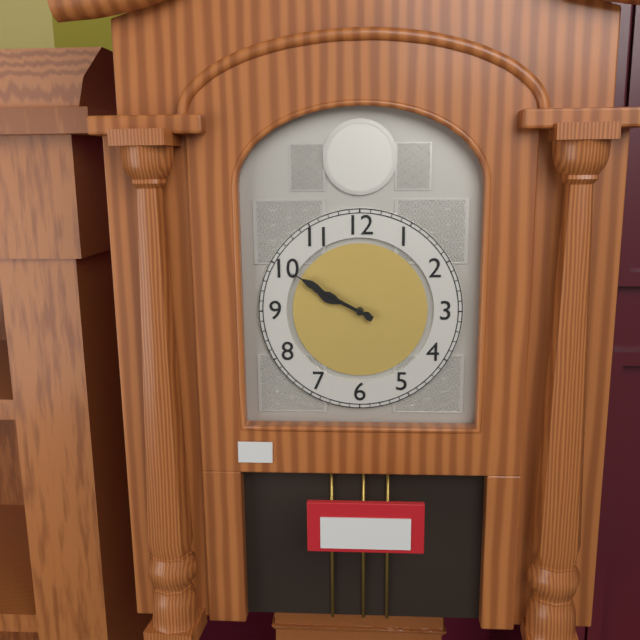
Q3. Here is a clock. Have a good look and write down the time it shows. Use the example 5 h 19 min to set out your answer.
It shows 9 h 50 min
